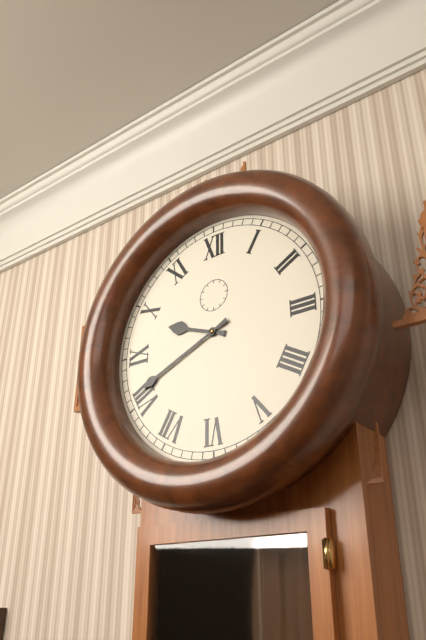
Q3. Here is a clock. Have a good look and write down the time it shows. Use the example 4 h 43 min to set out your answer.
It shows 9 h 41 min
